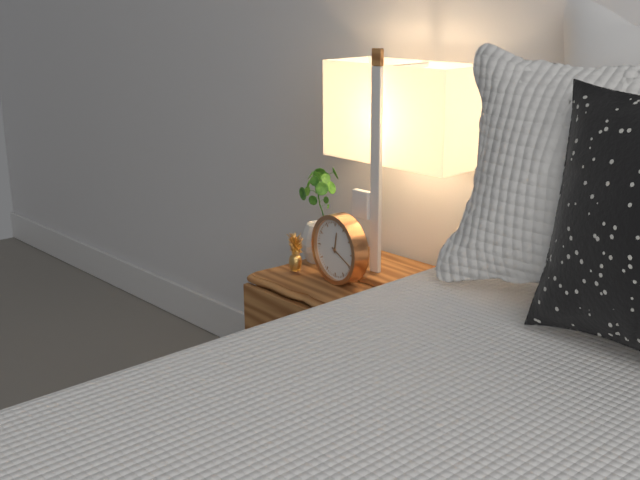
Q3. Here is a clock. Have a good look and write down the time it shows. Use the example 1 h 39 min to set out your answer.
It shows 12 h 19 min
